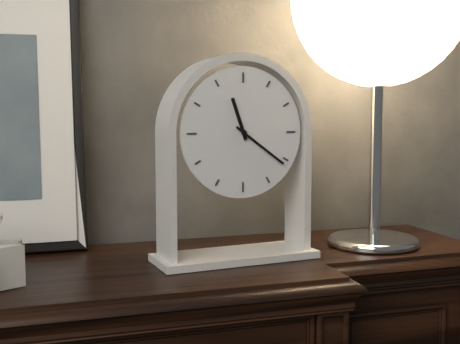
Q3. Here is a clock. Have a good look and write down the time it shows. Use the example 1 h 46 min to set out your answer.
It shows 11 h 21 min
